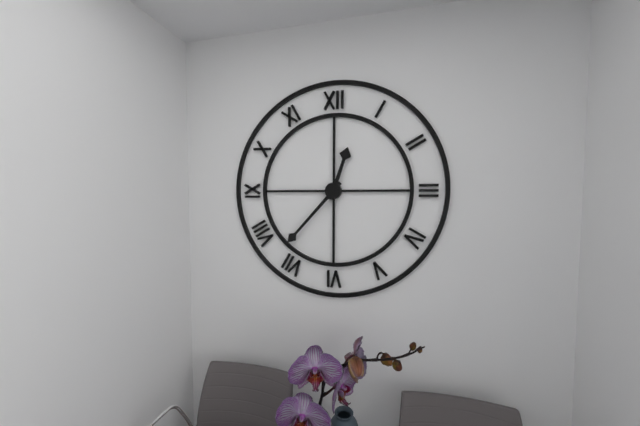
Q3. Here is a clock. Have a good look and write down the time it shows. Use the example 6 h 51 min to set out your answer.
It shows 12 h 37 min
